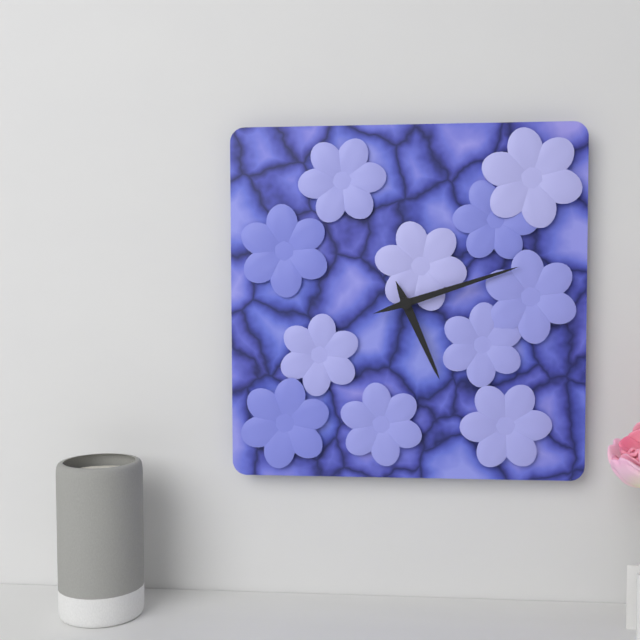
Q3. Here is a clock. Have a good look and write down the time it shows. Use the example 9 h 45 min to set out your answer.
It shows 5 h 12 min
